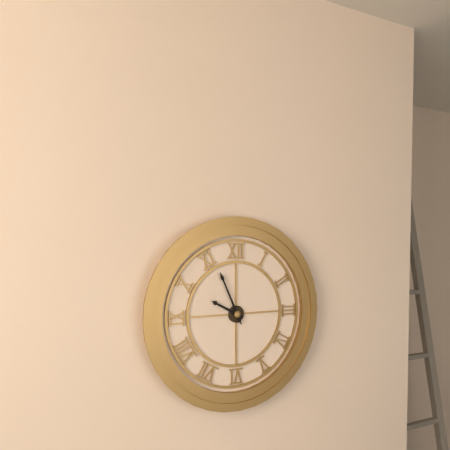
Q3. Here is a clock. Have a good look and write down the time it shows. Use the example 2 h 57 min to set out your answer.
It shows 9 h 56 min
